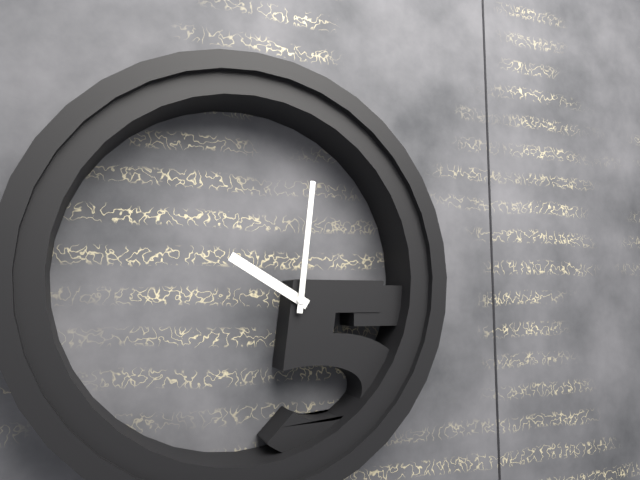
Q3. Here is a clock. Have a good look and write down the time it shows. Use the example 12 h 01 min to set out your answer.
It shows 10 h 01 min
